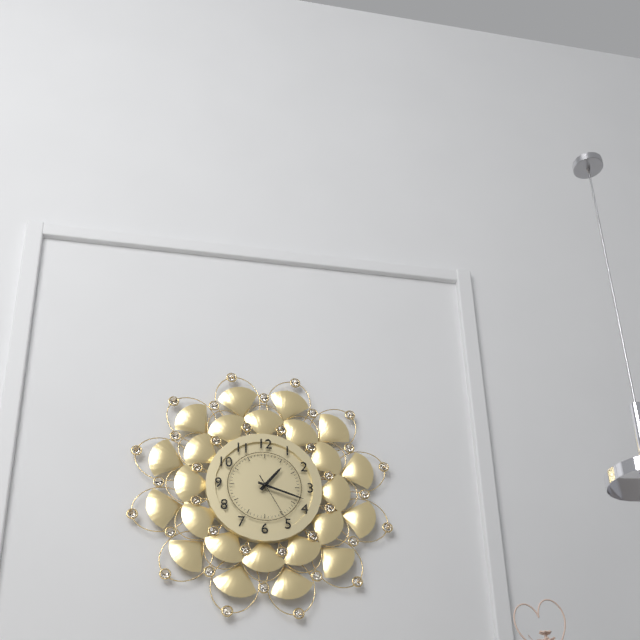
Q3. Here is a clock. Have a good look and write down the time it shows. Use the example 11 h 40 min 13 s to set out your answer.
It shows 1 h 18 min 25 s
